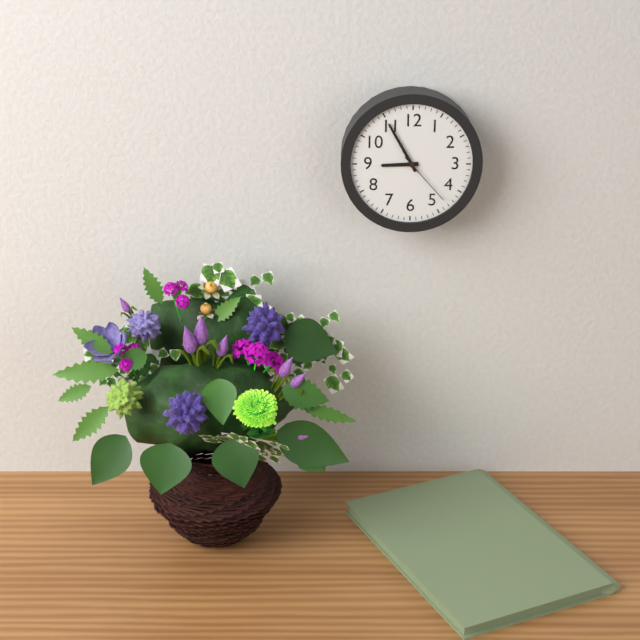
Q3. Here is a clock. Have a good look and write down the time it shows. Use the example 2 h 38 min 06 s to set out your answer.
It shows 8 h 55 min 23 s
